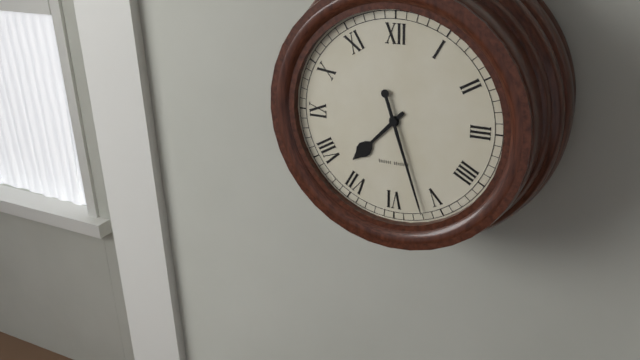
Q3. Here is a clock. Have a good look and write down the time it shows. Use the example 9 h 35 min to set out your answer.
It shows 7 h 27 min
